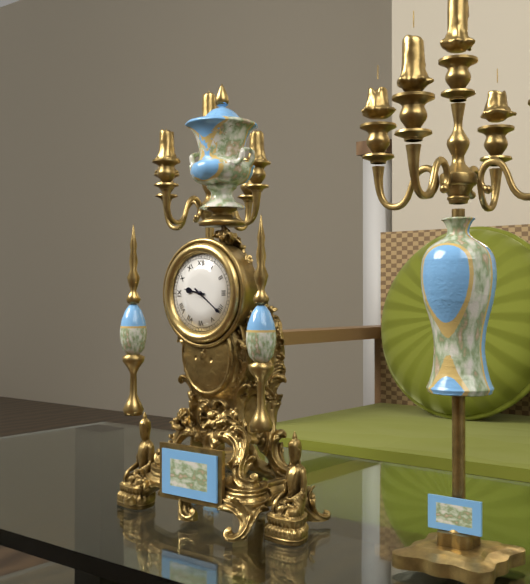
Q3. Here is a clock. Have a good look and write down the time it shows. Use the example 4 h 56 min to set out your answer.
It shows 9 h 21 min
